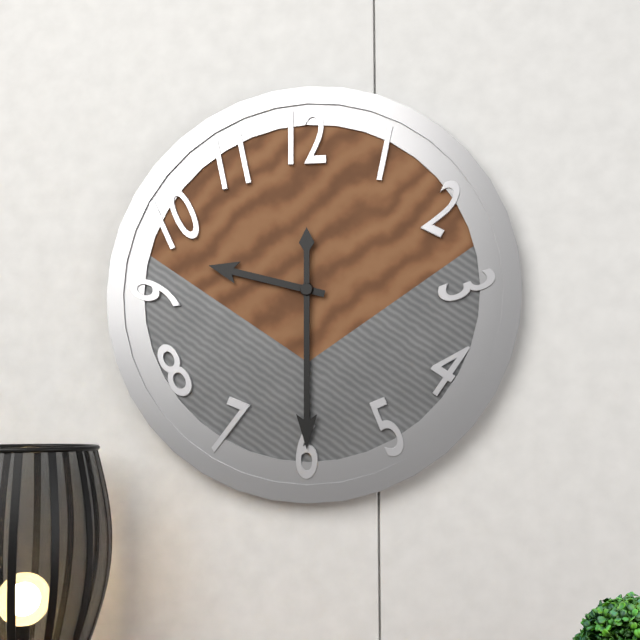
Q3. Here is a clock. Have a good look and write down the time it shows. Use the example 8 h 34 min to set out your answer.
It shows 9 h 30 min
